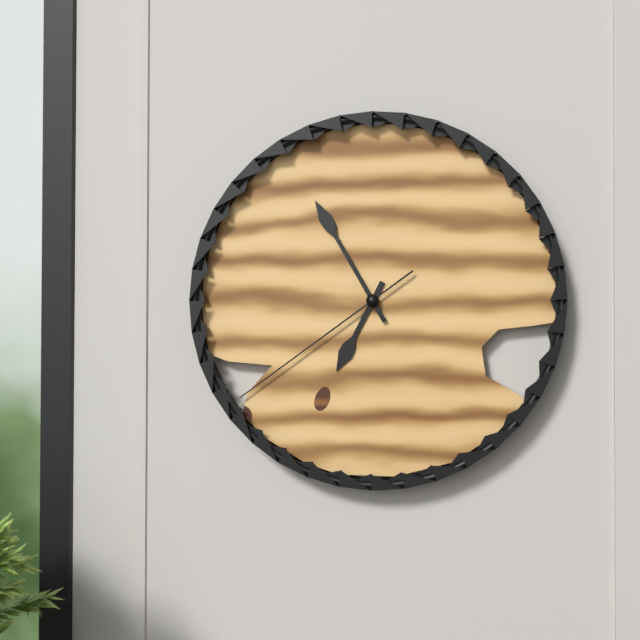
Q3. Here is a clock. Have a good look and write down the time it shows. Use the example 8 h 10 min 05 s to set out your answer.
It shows 6 h 55 min 39 s
